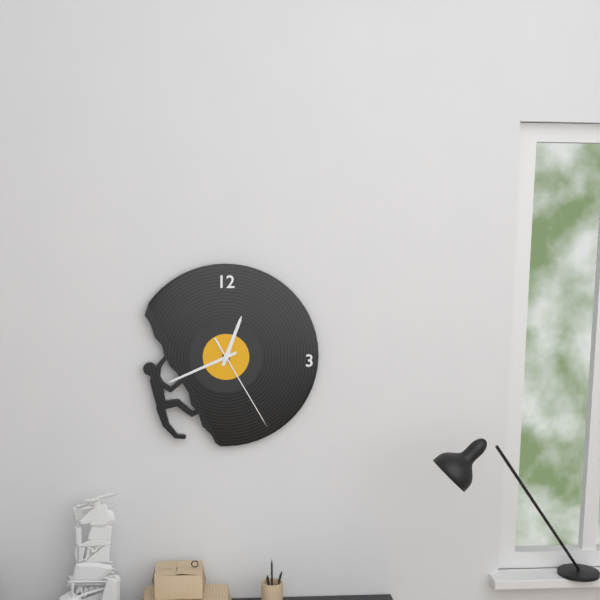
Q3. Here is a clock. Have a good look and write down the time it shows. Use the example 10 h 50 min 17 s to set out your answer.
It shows 12 h 41 min 25 s
